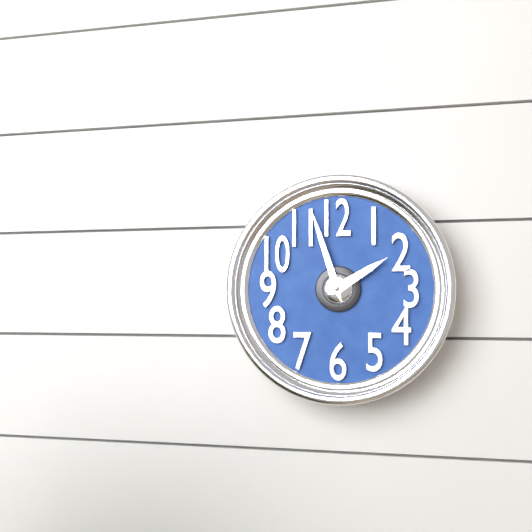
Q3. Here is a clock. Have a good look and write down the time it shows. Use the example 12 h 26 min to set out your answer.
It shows 1 h 57 min
